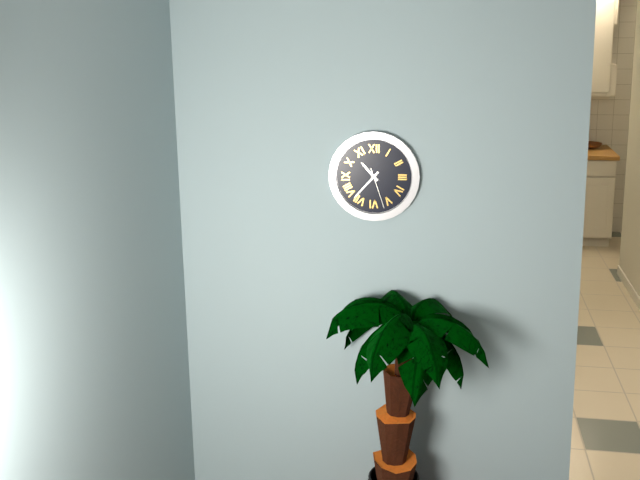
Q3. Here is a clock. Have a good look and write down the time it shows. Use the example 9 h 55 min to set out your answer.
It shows 10 h 37 min
